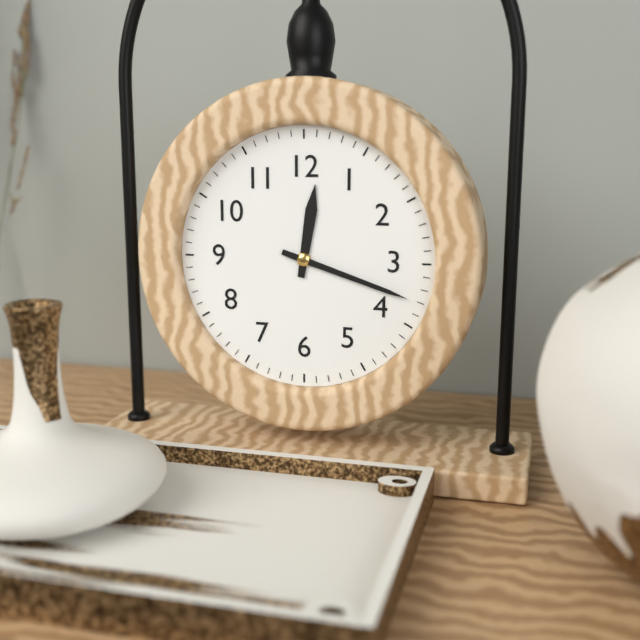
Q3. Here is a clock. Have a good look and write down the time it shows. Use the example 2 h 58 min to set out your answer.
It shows 12 h 18 min
